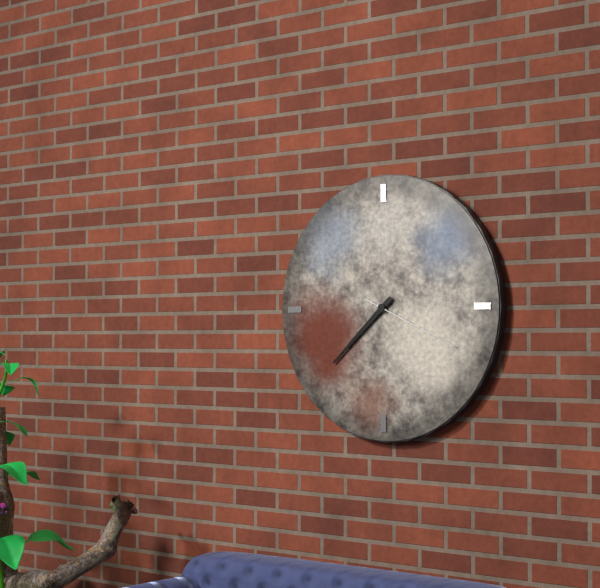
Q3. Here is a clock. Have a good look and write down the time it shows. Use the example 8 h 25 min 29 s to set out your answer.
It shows 7 h 38 min 19 s
